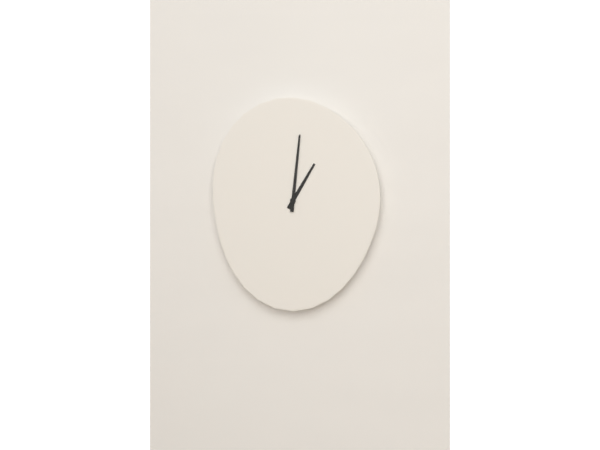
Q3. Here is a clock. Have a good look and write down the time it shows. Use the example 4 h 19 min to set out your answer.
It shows 1 h 01 min
